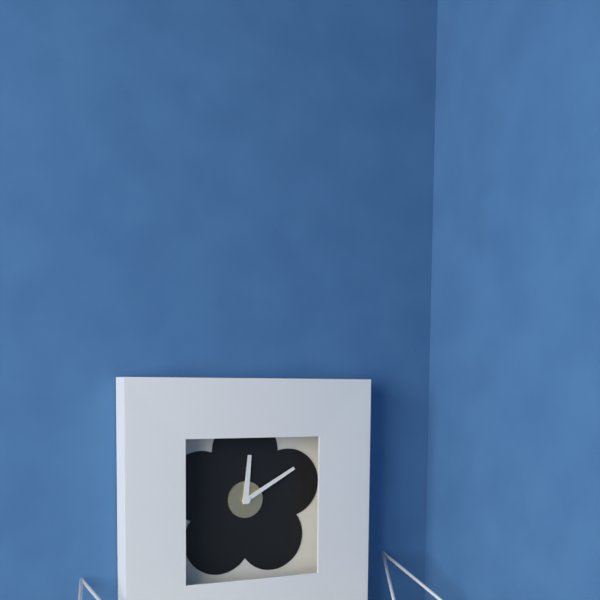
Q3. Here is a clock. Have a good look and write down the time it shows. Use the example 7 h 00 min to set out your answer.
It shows 12 h 10 min
